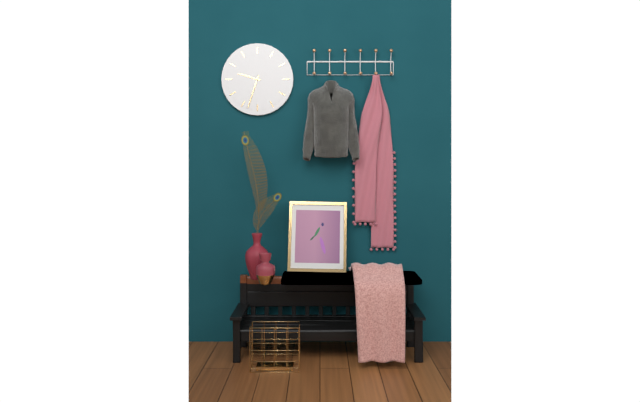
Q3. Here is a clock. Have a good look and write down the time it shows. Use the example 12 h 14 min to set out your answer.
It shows 9 h 33 min
